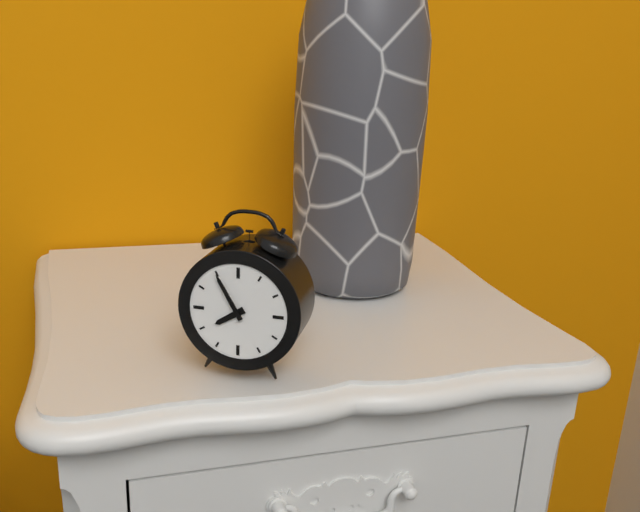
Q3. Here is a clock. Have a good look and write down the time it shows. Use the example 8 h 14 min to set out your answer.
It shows 7 h 55 min
